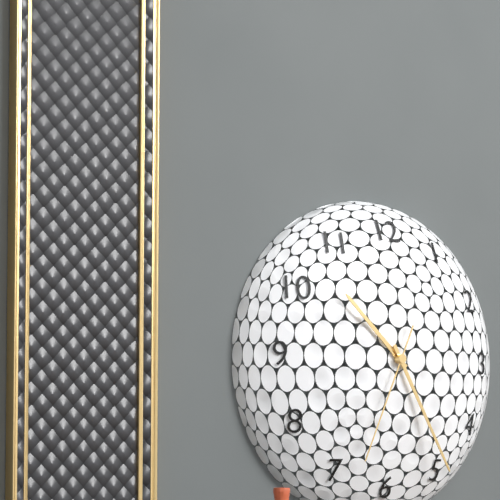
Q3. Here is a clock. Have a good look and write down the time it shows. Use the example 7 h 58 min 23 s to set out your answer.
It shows 10 h 25 min 34 s
